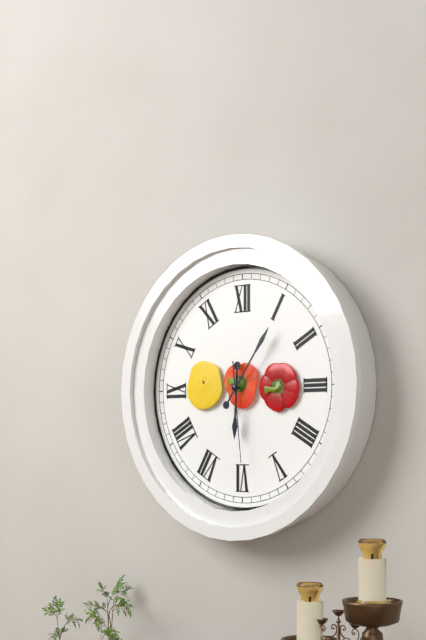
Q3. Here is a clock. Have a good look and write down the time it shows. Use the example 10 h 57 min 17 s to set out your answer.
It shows 6 h 06 min 29 s
